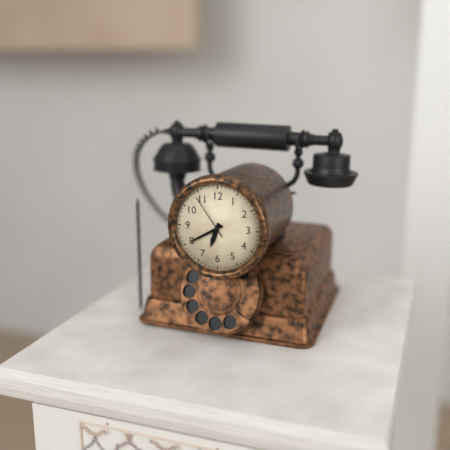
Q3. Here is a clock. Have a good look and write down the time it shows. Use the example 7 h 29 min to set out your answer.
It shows 6 h 40 min
